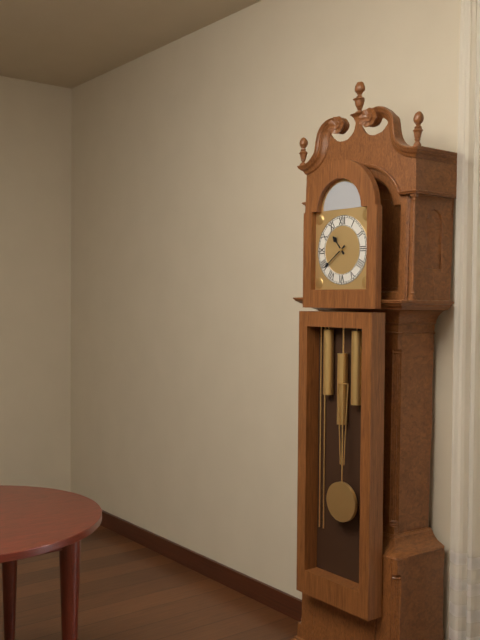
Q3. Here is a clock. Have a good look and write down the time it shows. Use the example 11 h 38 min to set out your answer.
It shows 10 h 39 min
